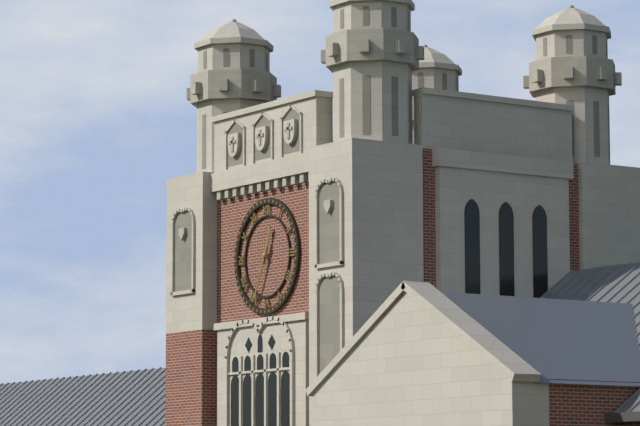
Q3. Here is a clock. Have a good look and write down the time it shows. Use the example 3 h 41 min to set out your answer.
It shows 12 h 34 min
